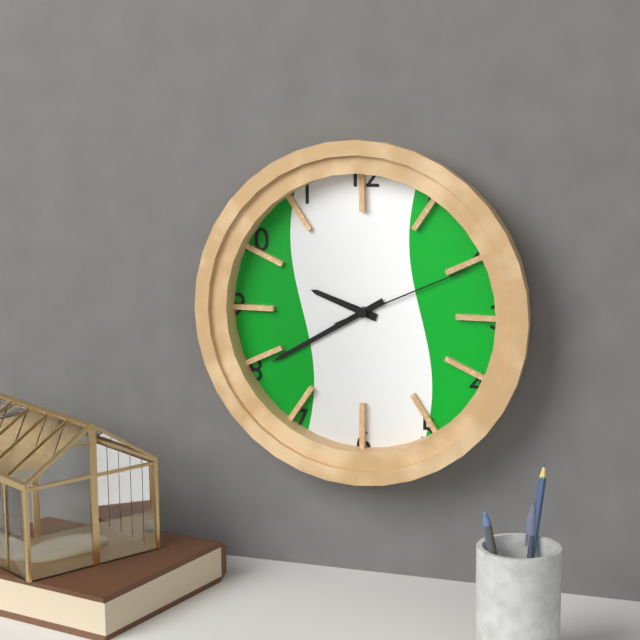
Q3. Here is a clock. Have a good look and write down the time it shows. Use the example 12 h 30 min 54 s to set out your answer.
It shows 9 h 40 min 11 s
